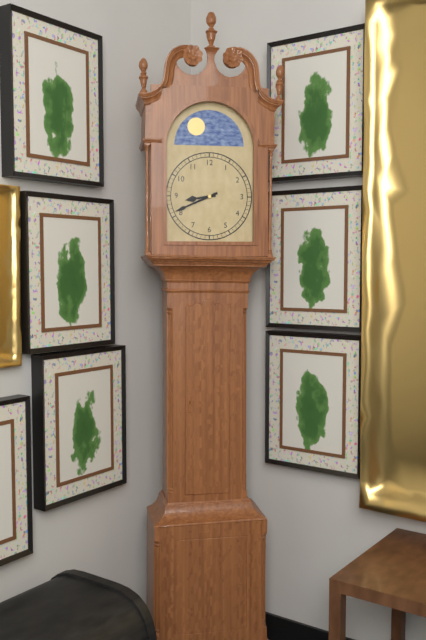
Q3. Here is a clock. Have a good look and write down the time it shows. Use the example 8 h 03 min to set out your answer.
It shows 8 h 41 min
